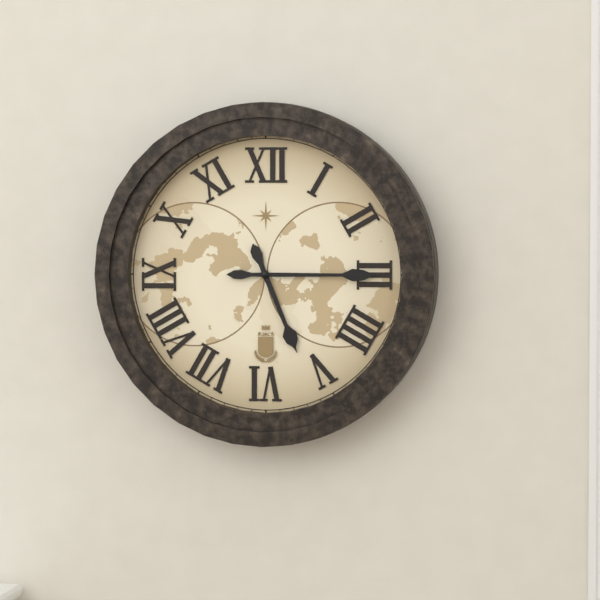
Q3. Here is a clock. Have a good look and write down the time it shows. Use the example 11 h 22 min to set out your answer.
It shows 5 h 15 min
